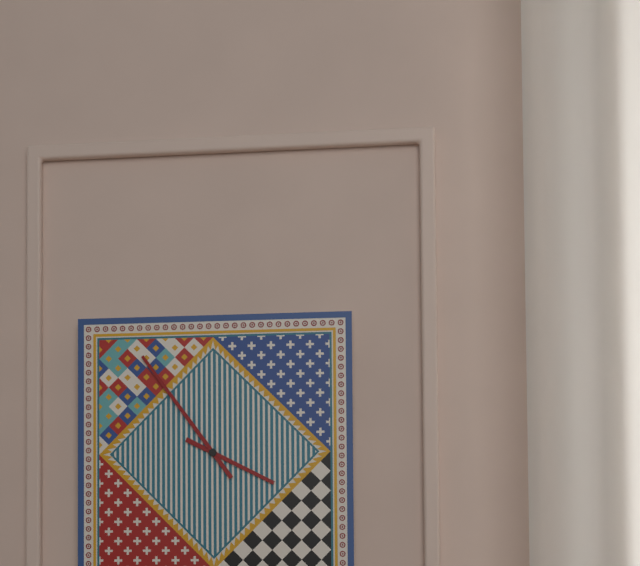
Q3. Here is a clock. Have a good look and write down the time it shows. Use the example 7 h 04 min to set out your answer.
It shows 3 h 54 min
